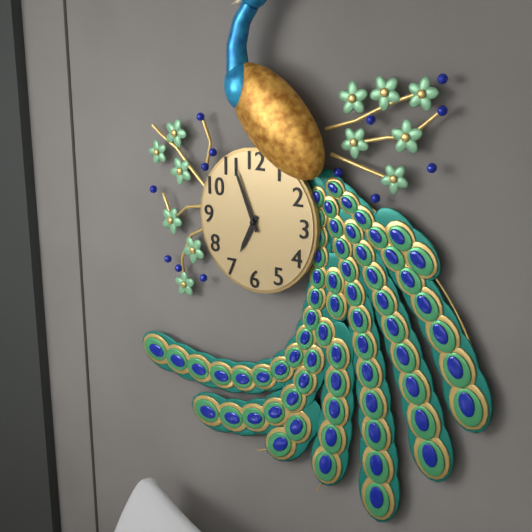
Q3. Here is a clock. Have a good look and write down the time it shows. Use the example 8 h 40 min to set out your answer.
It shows 6 h 56 min
